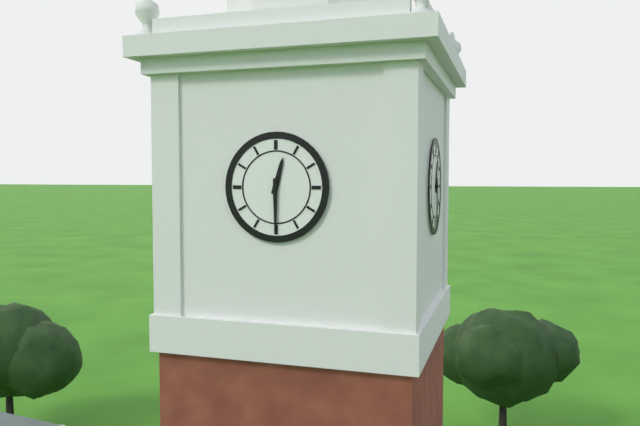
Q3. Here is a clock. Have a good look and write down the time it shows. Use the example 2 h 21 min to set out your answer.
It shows 12 h 30 min
